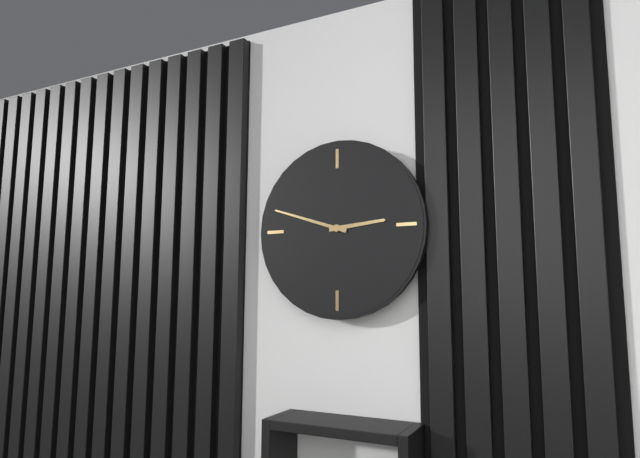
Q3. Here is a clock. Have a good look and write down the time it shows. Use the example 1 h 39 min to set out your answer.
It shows 2 h 48 min
